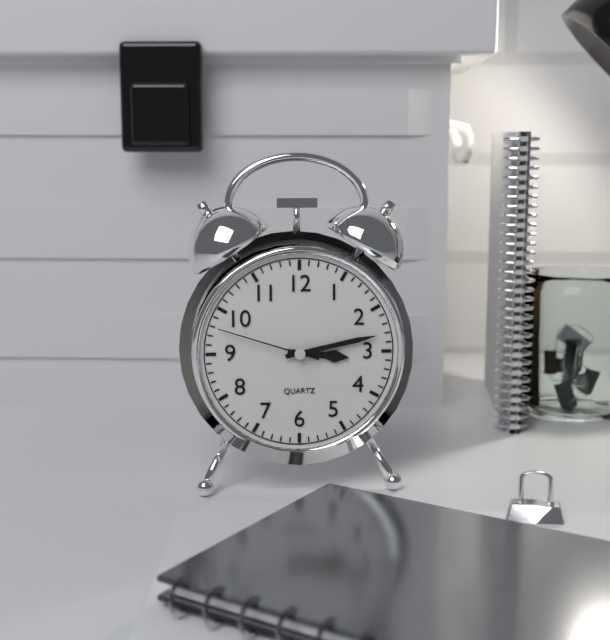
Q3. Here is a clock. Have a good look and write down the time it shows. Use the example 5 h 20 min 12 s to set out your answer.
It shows 3 h 13 min 48 s
